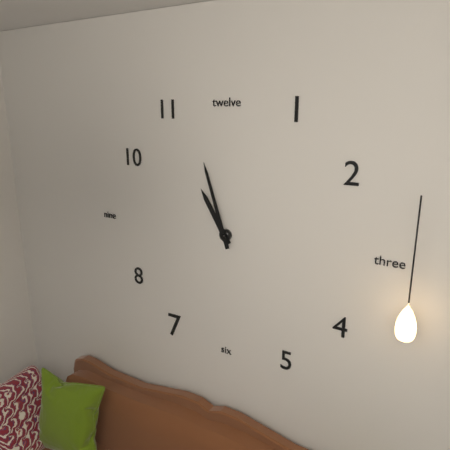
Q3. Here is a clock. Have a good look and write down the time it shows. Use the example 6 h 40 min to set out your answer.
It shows 10 h 57 min
